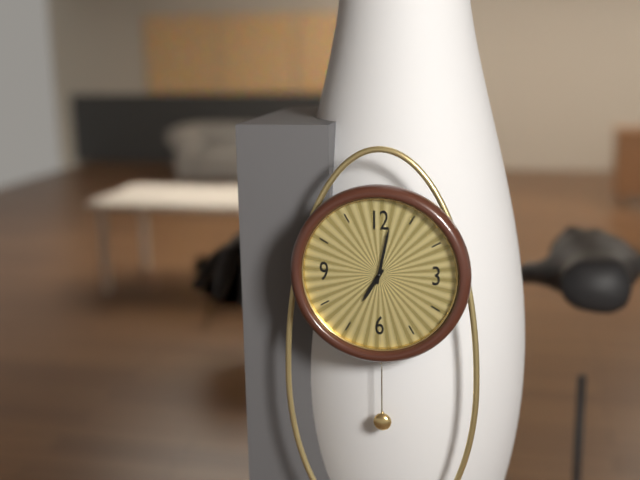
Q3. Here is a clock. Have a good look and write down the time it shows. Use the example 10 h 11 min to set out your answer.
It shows 7 h 02 min
